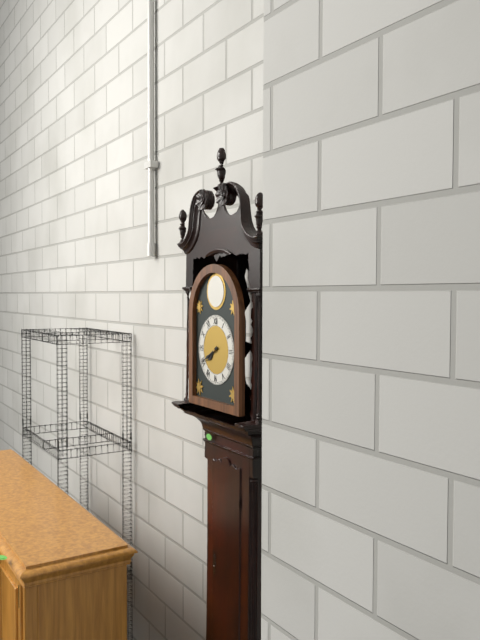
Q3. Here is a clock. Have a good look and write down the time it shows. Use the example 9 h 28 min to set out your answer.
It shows 7 h 40 min
